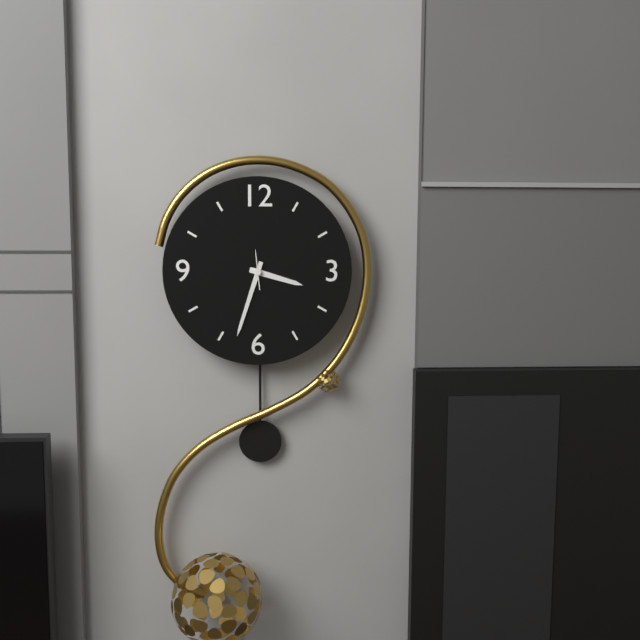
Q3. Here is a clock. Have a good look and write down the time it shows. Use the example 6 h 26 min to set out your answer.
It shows 3 h 33 min
